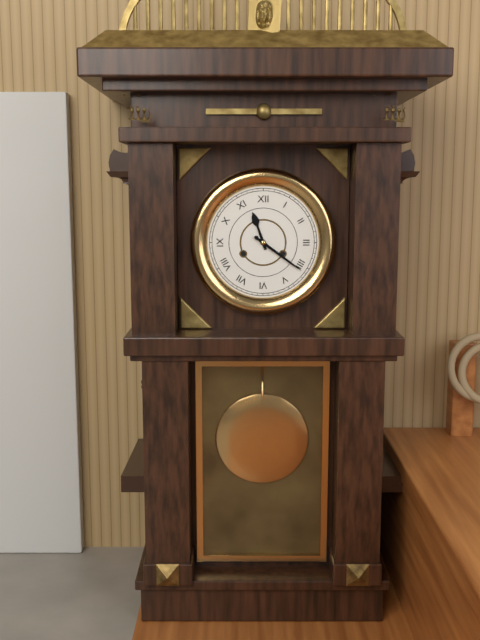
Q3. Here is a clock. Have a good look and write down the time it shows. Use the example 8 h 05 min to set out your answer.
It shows 11 h 21 min
